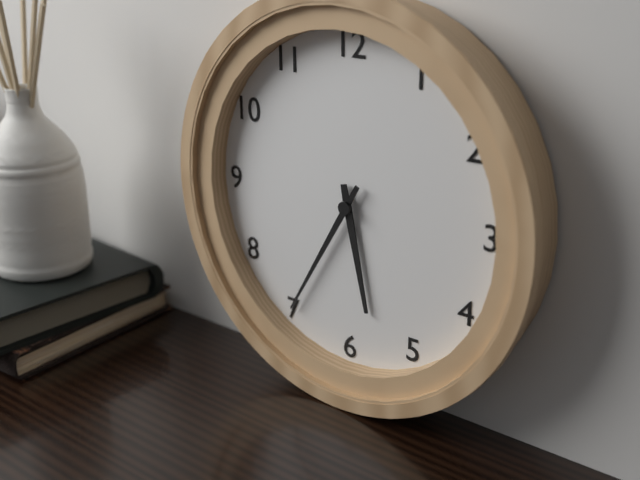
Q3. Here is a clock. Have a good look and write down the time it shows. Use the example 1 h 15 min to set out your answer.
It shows 5 h 35 min
